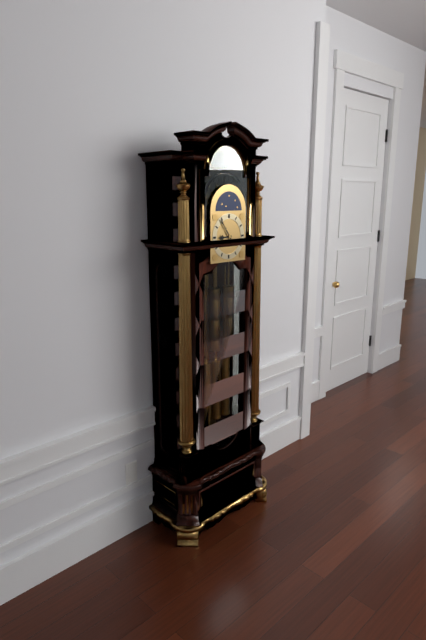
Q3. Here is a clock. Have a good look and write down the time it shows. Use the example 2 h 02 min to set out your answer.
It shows 8 h 54 min
